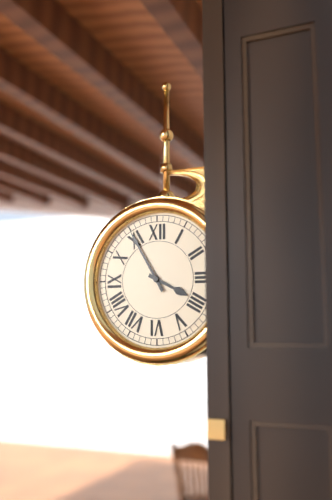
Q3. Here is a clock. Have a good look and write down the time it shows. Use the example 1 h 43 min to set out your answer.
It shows 3 h 55 min
